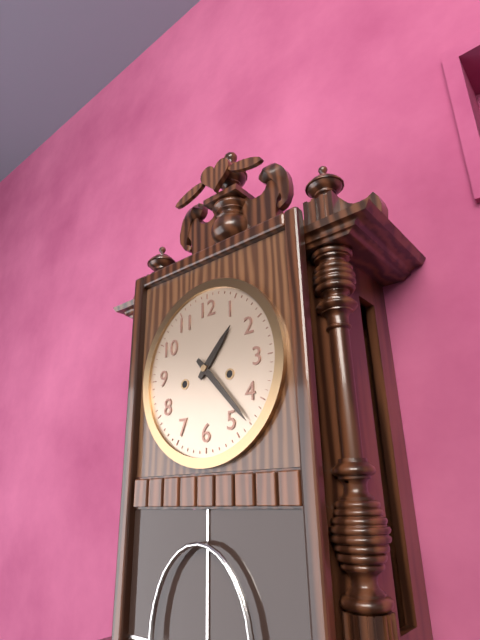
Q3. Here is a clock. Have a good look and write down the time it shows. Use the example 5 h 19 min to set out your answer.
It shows 1 h 23 min
